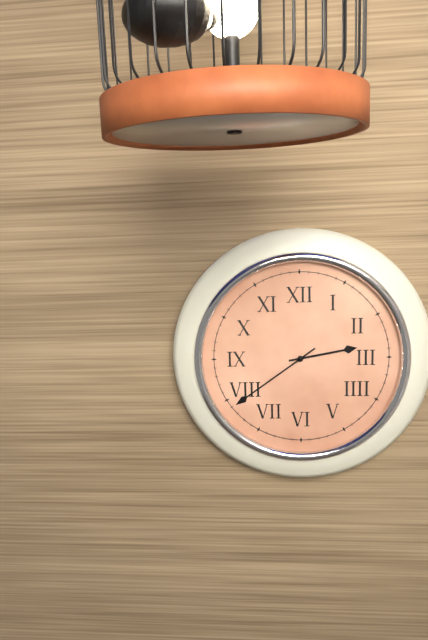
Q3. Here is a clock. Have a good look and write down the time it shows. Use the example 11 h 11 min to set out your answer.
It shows 2 h 39 min
